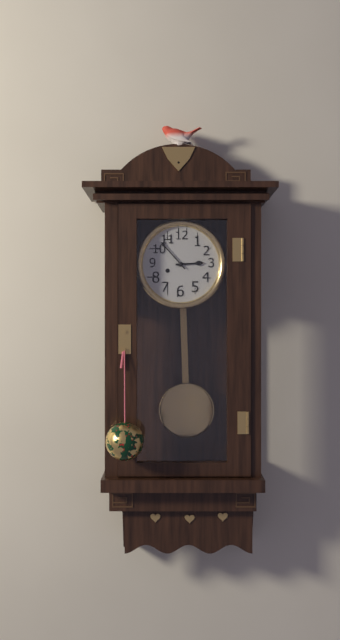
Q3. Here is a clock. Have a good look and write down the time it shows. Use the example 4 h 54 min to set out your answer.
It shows 2 h 53 min
